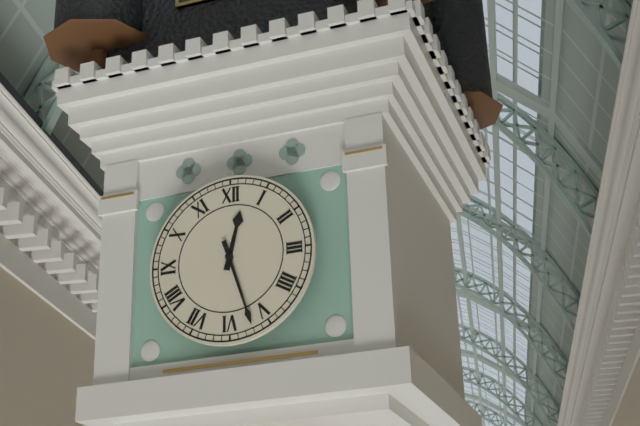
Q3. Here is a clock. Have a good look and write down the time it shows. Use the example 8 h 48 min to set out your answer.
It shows 12 h 27 min
